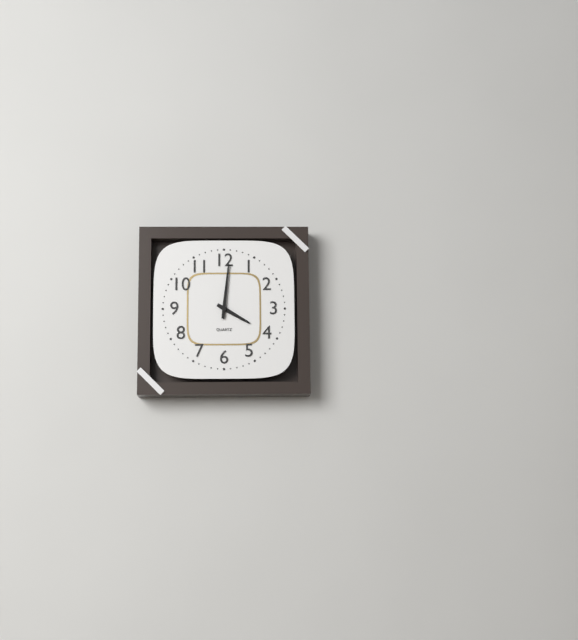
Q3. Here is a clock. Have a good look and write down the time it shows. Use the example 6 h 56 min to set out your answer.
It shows 4 h 01 min
